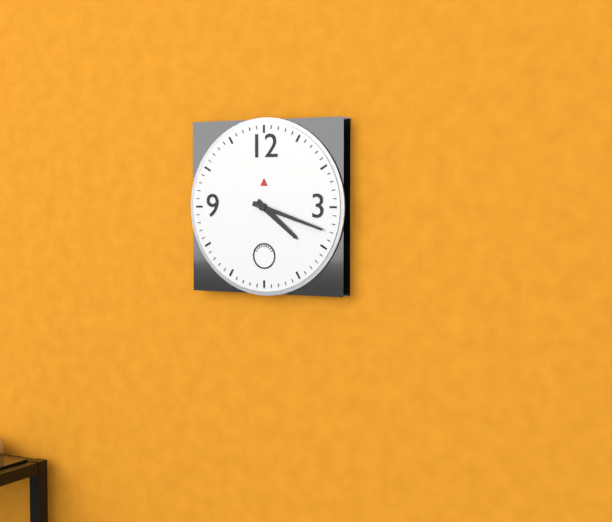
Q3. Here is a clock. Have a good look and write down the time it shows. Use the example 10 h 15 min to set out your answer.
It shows 4 h 18 min
